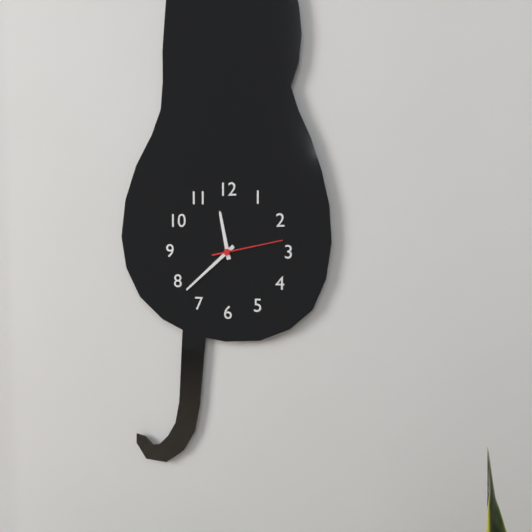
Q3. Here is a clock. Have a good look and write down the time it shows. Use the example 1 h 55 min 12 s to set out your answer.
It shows 11 h 38 min 13 s
